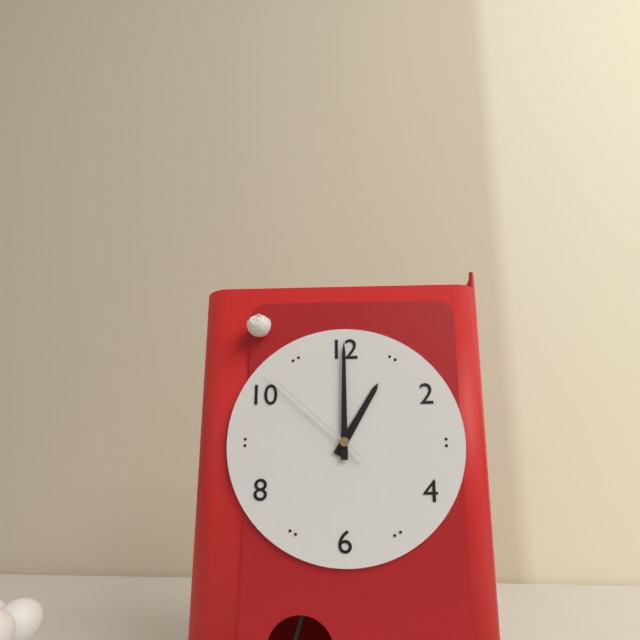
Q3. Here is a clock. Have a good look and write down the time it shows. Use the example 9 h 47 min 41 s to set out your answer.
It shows 1 h 00 min 52 s
